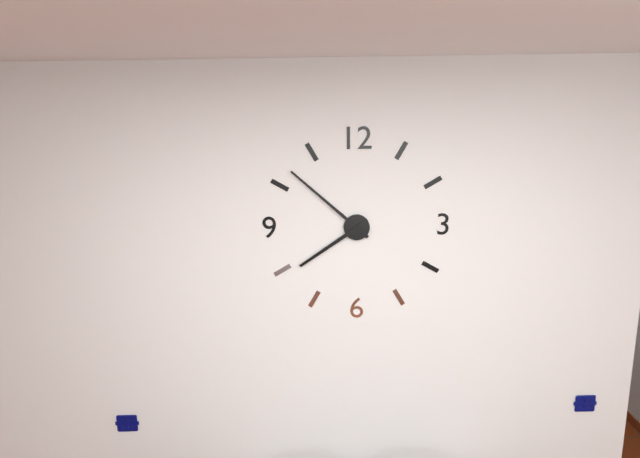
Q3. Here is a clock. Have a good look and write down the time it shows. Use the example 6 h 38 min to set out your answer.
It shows 7 h 52 min
